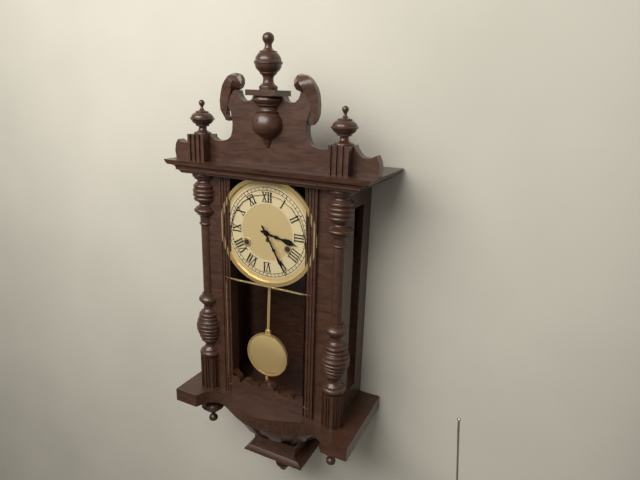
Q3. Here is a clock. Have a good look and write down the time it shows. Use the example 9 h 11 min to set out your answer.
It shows 3 h 25 min
